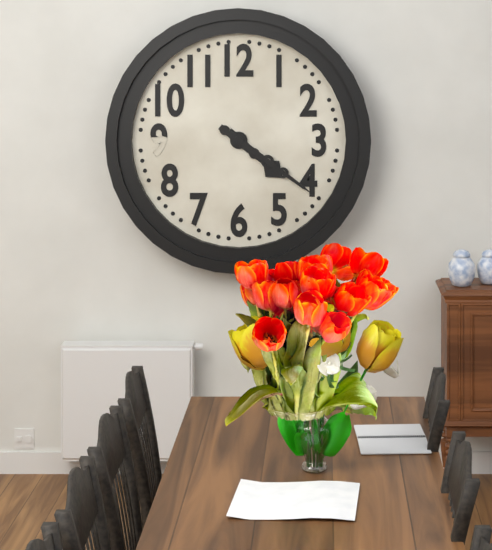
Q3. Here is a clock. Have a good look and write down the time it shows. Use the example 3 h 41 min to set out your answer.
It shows 4 h 21 min
